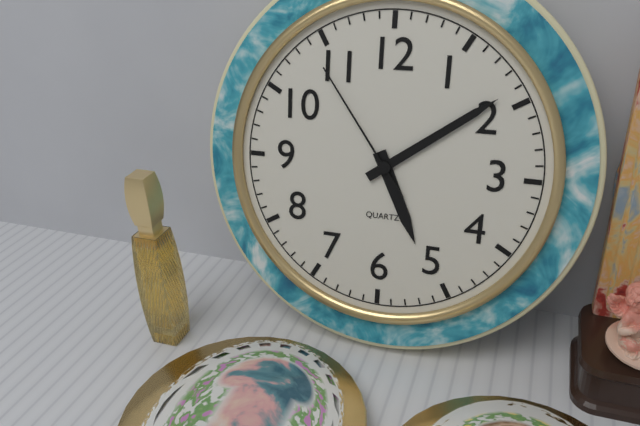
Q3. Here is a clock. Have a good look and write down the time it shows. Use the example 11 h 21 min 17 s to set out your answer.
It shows 5 h 09 min 54 s
